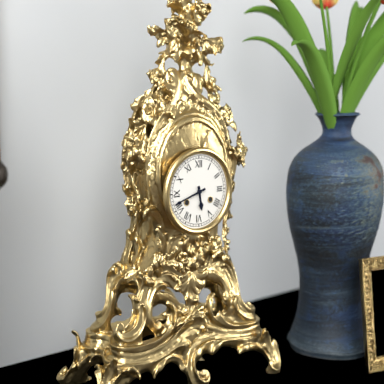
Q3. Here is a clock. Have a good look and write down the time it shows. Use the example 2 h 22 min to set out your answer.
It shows 5 h 42 min
